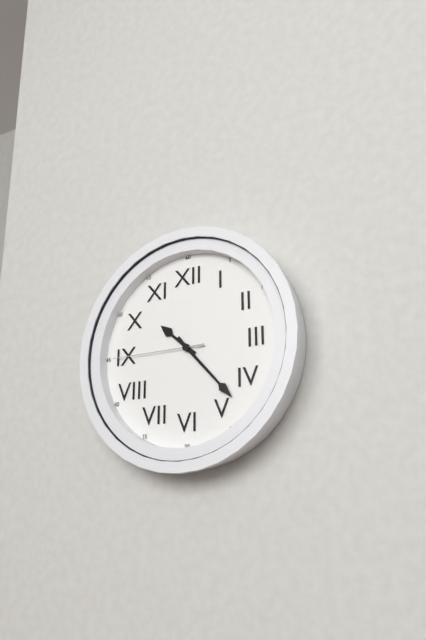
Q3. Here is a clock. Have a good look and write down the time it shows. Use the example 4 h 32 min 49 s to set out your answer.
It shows 10 h 23 min 45 s
